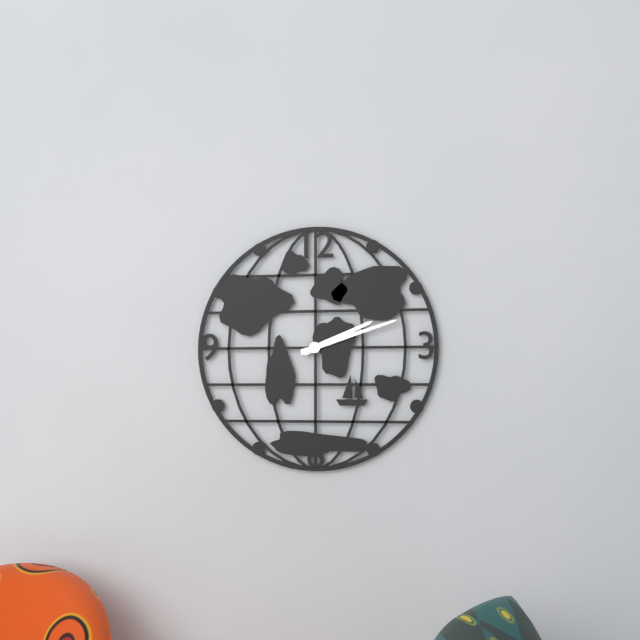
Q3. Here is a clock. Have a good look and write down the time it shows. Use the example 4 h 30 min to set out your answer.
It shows 2 h 12 min
